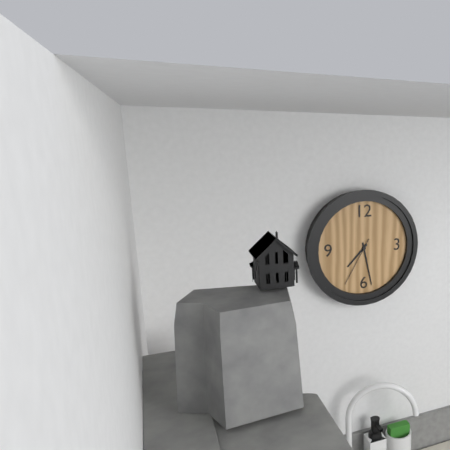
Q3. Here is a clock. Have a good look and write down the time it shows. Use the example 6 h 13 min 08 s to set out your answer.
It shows 7 h 28 min 35 s
